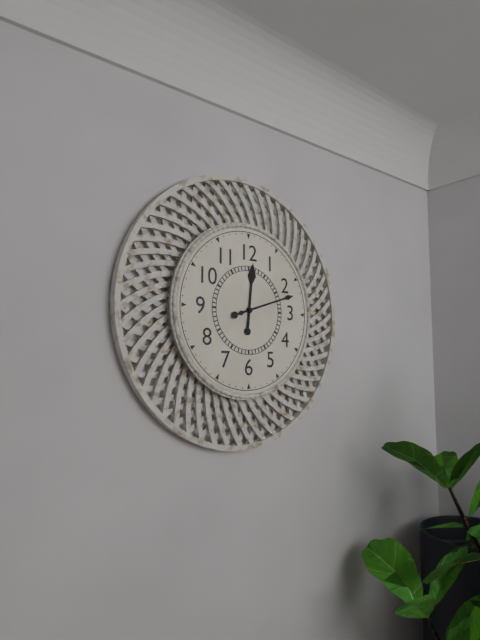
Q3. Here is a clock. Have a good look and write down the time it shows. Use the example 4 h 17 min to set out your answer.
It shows 12 h 12 min
